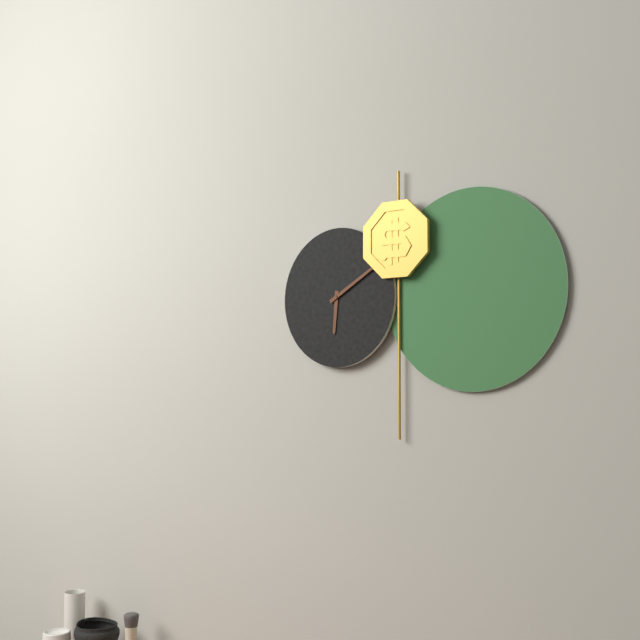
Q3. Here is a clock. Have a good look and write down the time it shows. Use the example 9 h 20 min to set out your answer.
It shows 6 h 10 min
